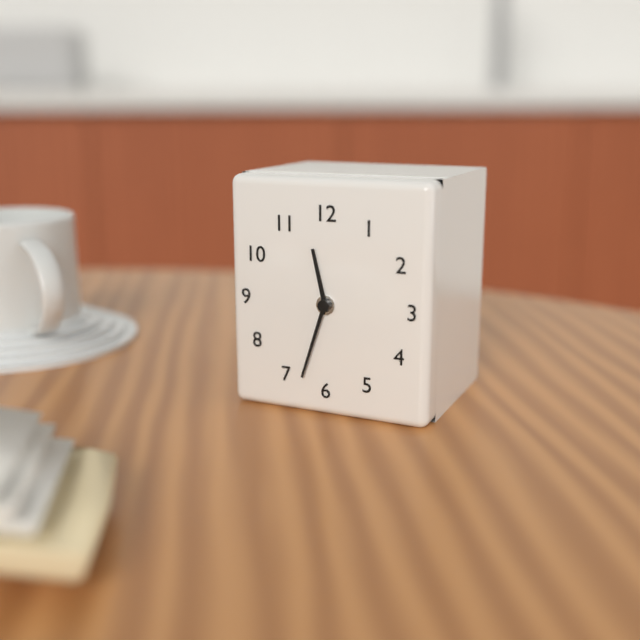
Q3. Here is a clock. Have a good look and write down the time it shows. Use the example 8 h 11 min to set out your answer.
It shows 11 h 33 min
